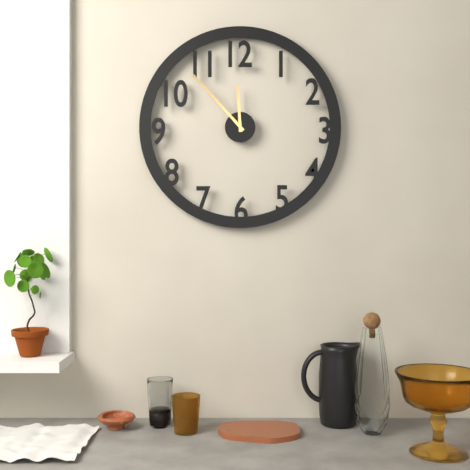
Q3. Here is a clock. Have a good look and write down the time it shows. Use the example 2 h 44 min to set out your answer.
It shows 11 h 53 min
